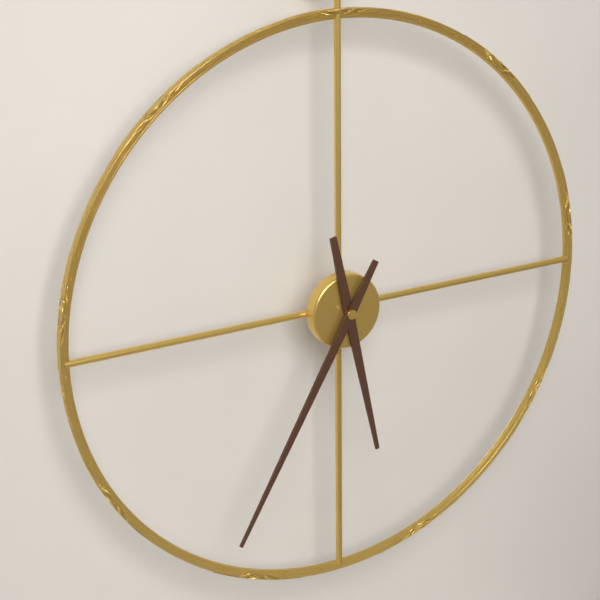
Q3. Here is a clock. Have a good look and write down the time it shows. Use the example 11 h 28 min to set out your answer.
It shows 5 h 35 min
